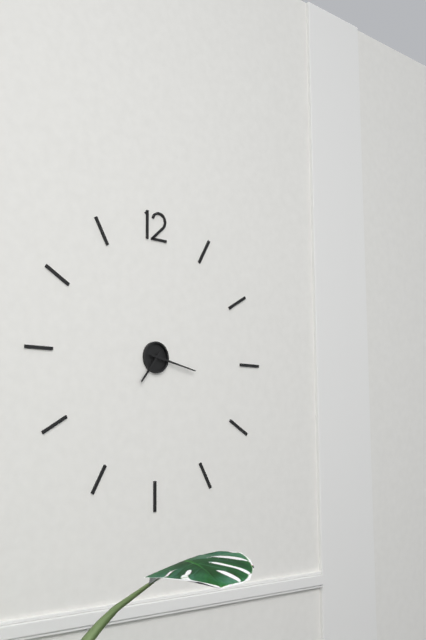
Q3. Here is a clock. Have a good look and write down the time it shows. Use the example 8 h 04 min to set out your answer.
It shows 7 h 17 min
